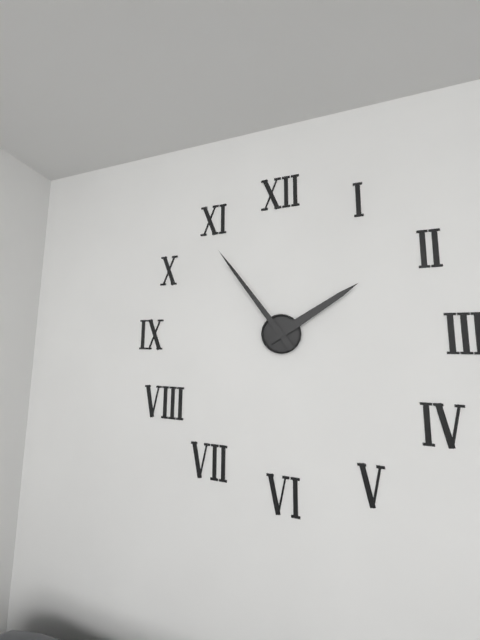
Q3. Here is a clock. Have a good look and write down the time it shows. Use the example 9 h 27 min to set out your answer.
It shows 1 h 54 min
